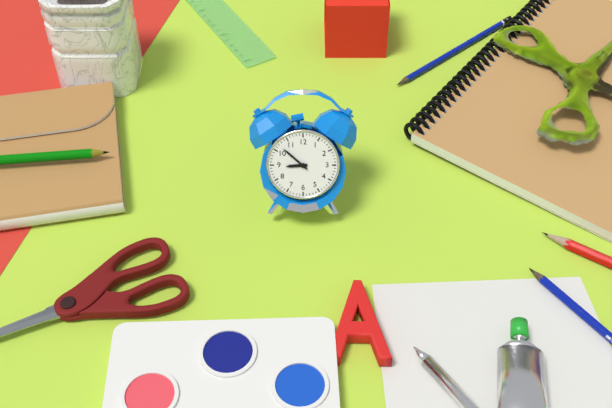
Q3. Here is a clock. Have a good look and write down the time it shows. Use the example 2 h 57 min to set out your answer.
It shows 8 h 52 min
